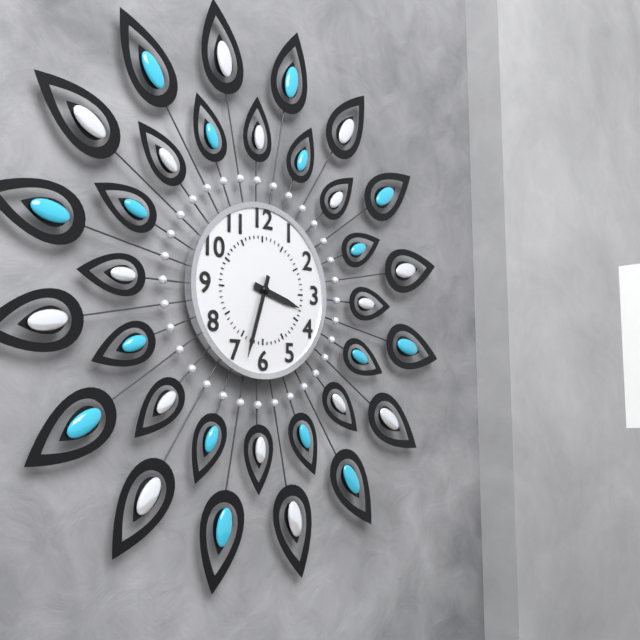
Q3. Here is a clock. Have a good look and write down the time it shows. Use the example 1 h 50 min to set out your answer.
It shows 3 h 33 min
